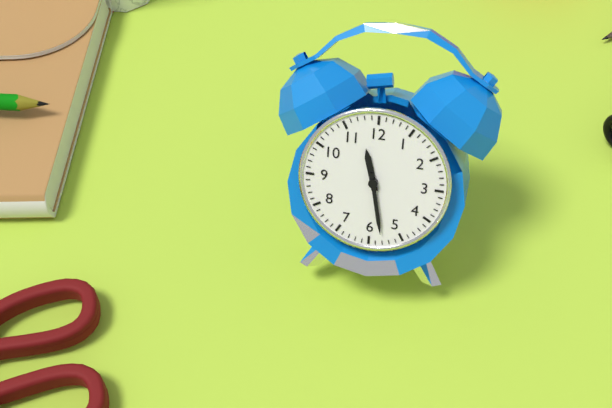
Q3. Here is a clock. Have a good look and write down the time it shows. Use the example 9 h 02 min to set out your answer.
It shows 11 h 28 min
